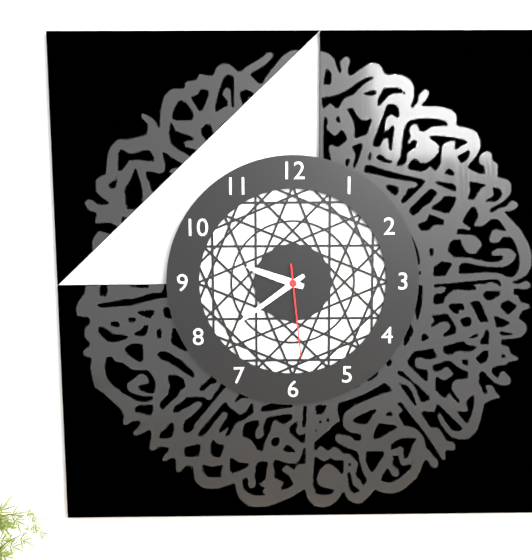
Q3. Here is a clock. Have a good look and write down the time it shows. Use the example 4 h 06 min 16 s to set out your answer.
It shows 9 h 39 min 29 s
